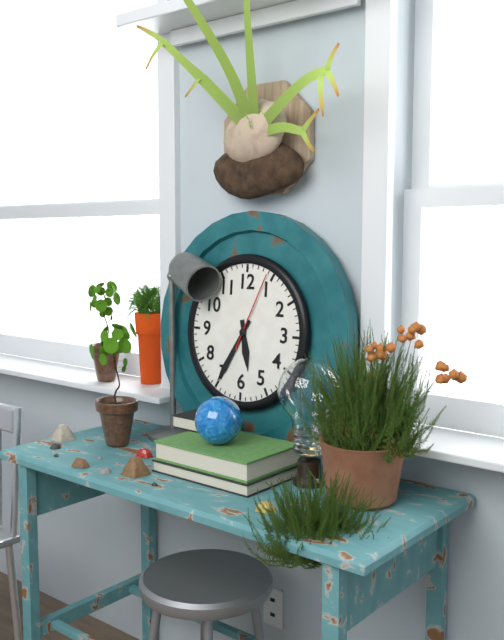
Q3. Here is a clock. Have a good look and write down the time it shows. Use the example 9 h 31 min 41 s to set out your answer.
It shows 5 h 35 min 04 s
